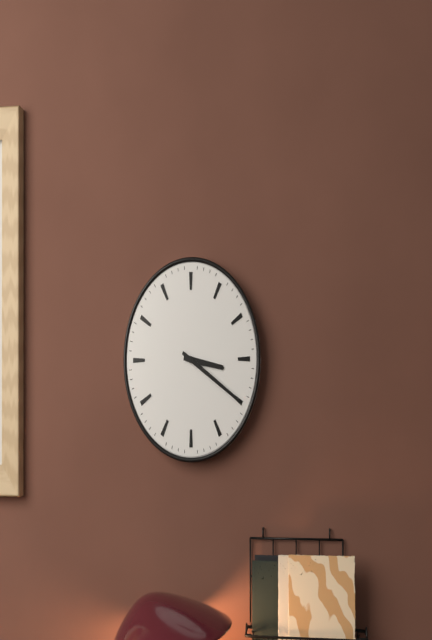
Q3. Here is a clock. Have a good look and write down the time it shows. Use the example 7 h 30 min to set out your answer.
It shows 3 h 20 min
